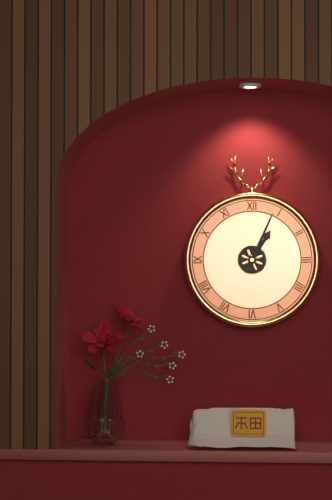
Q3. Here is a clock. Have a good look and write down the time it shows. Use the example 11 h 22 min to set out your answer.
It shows 1 h 04 min
